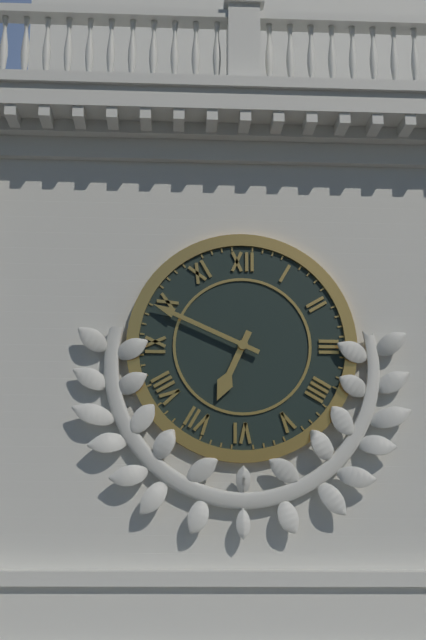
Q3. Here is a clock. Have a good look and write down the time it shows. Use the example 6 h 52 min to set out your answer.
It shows 6 h 49 min
